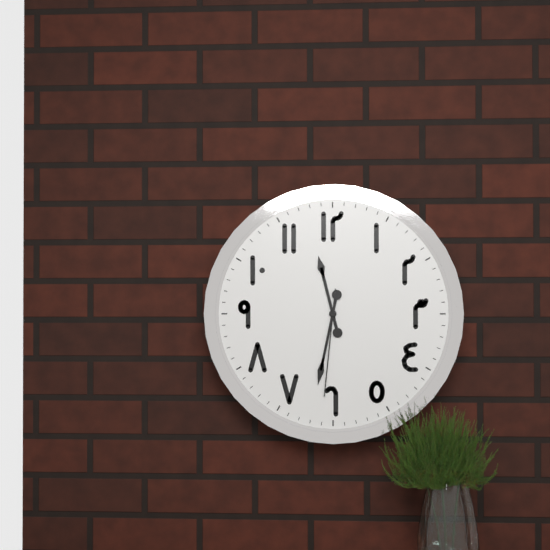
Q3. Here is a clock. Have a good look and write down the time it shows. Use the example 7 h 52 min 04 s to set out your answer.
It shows 11 h 32 min 31 s
